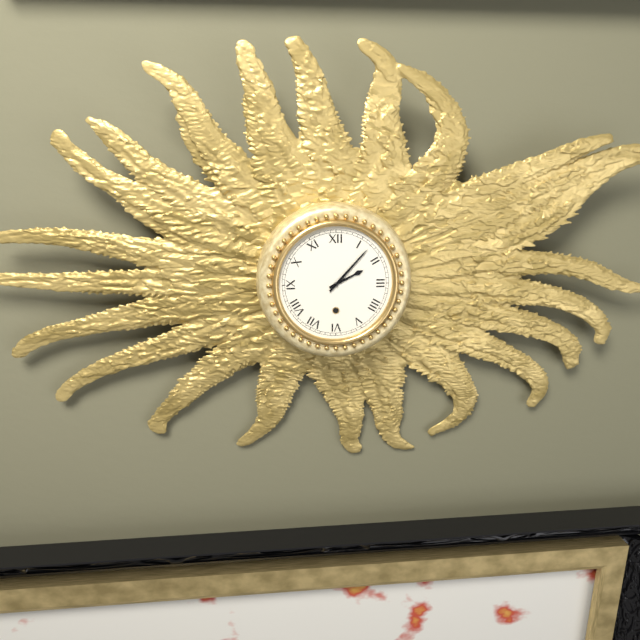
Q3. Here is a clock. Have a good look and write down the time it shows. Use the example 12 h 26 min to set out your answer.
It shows 2 h 07 min
